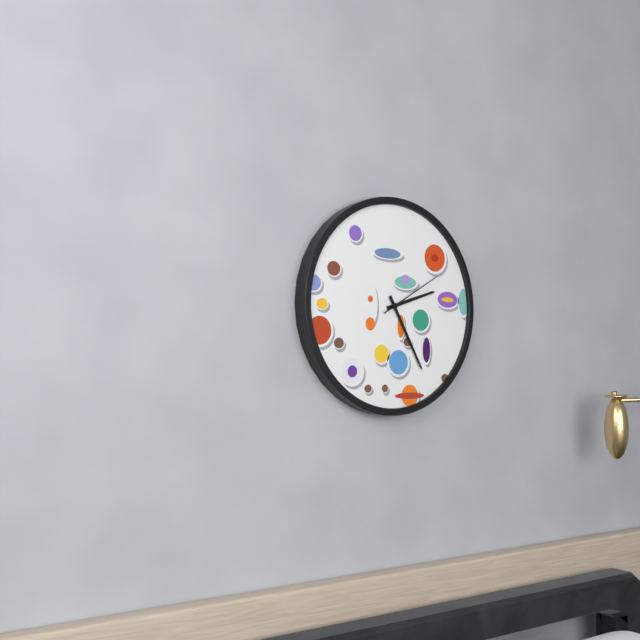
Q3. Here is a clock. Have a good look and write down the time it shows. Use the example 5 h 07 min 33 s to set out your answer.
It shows 2 h 25 min 10 s
